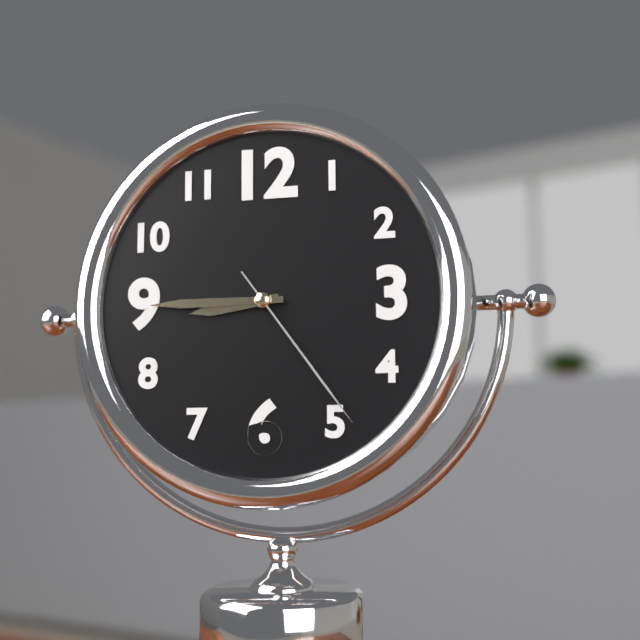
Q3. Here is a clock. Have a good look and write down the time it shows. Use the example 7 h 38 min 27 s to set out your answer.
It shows 8 h 45 min 24 s
